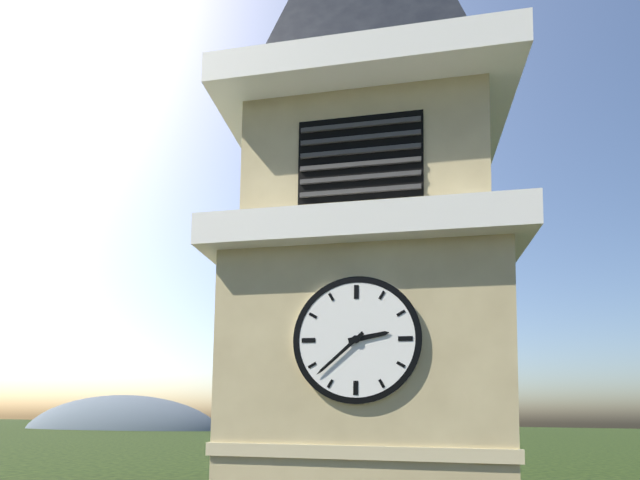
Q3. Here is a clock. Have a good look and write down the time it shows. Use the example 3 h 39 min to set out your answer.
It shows 2 h 38 min
